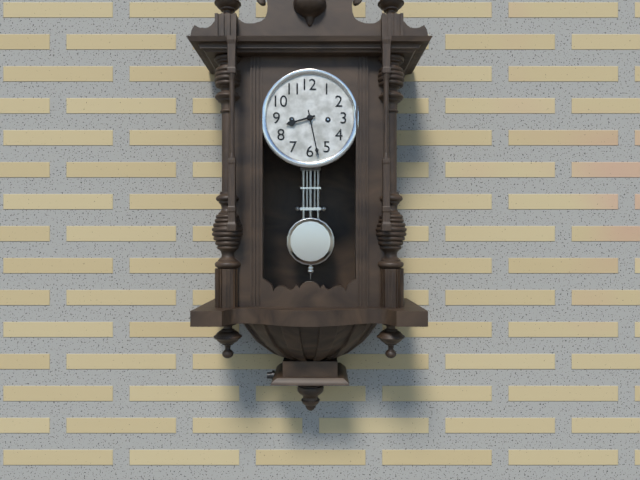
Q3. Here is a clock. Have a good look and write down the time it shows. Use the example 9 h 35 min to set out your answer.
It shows 8 h 28 min
